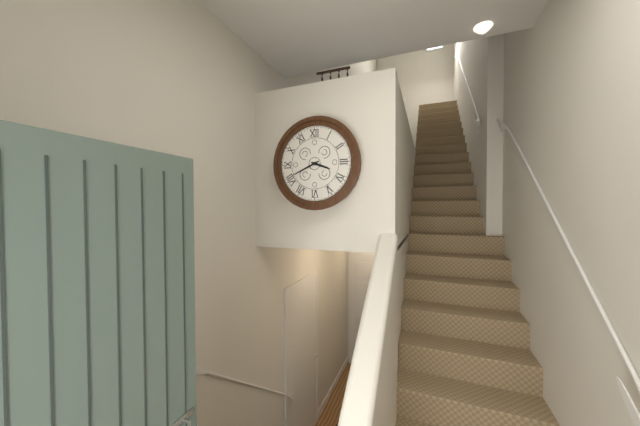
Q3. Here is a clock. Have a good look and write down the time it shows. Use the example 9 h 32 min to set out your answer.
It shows 3 h 41 min
